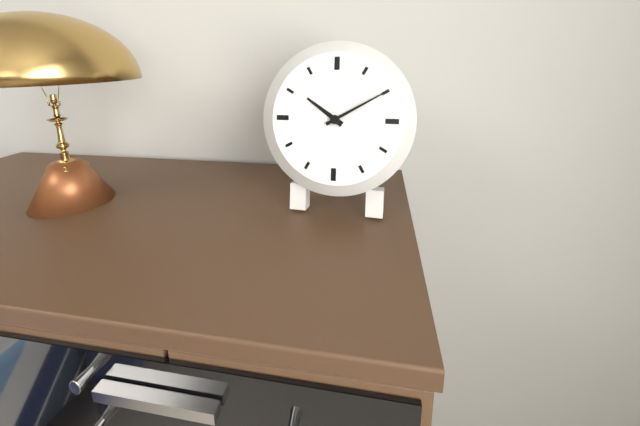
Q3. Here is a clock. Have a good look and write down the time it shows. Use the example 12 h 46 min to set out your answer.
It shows 10 h 10 min
